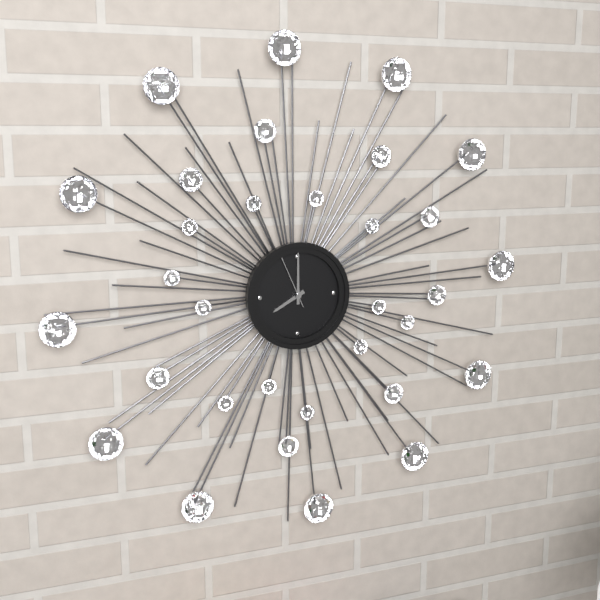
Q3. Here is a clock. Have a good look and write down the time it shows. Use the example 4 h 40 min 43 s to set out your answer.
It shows 8 h 00 min 56 s
